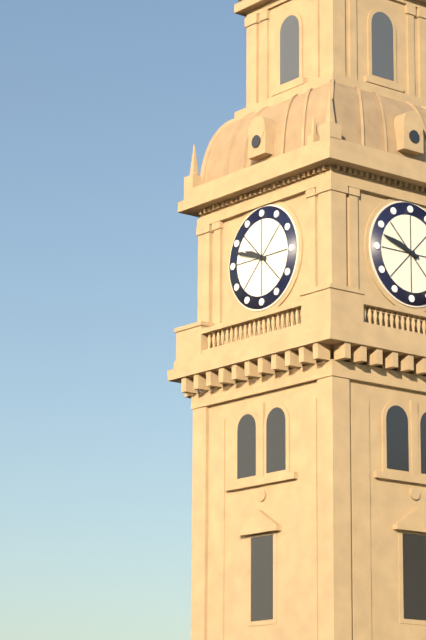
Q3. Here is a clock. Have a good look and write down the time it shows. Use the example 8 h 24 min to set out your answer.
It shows 9 h 48 min
